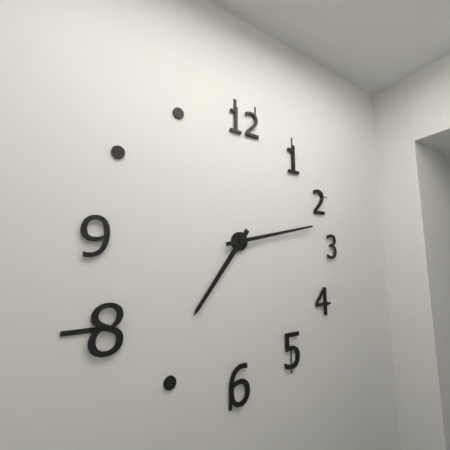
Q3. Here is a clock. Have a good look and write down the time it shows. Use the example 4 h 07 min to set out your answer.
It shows 7 h 13 min
